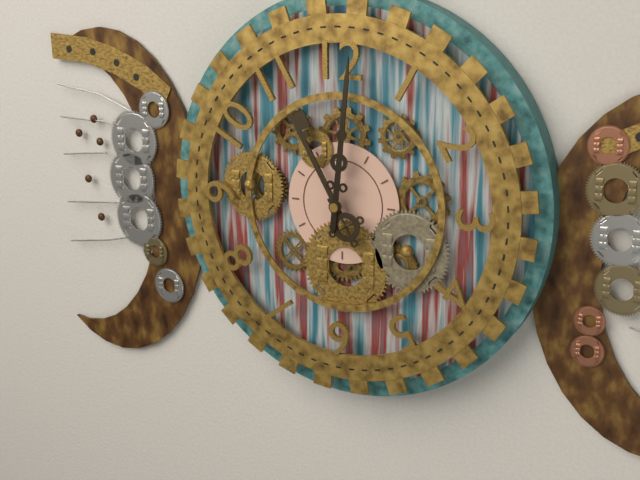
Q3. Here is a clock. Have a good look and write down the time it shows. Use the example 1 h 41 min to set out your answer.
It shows 11 h 01 min
